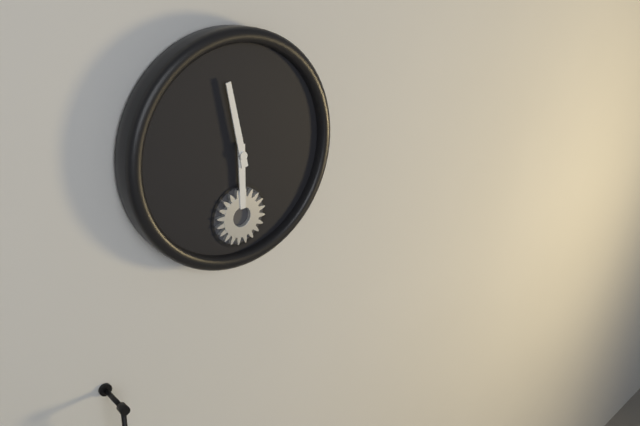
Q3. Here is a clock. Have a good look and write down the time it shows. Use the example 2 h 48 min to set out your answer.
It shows 5 h 58 min
